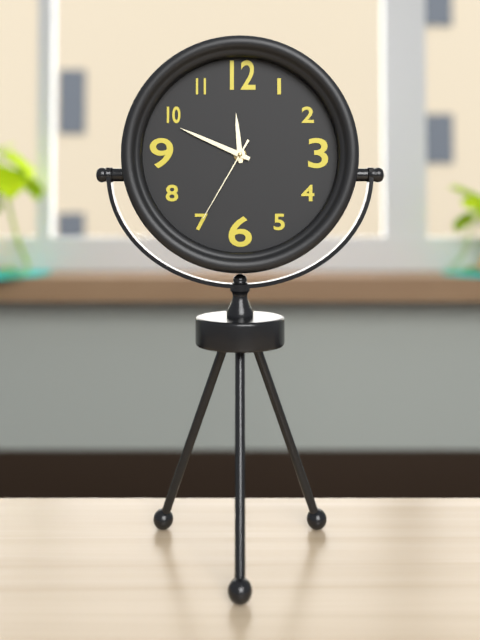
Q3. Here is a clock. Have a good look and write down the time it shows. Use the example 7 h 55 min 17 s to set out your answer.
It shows 11 h 49 min 35 s
